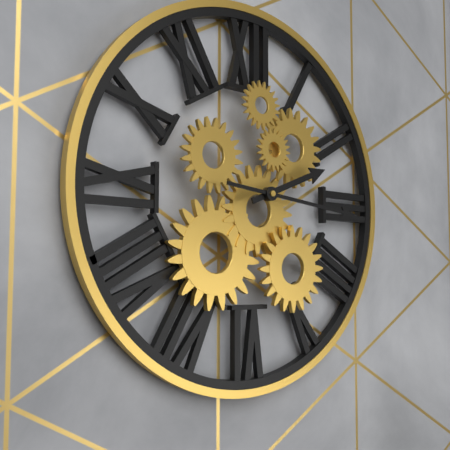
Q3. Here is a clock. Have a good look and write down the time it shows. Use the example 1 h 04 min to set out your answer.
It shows 2 h 16 min
